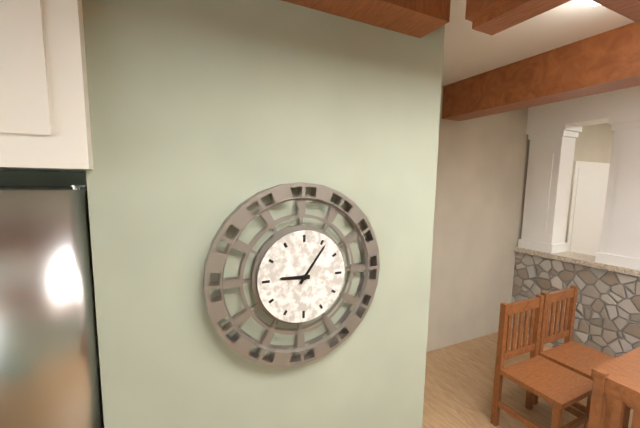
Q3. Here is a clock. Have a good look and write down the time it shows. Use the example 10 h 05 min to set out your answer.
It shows 9 h 06 min
